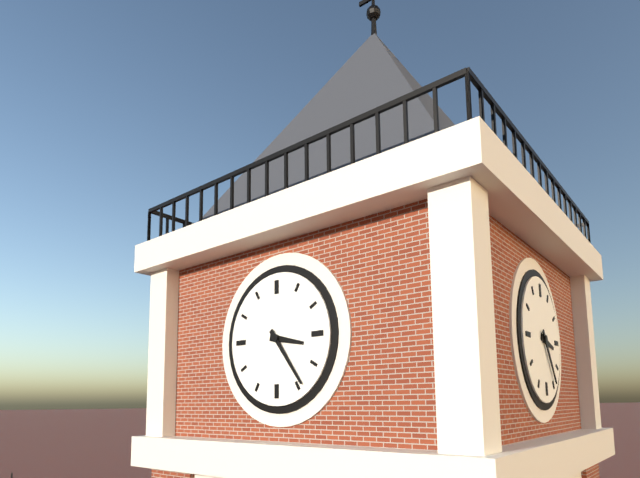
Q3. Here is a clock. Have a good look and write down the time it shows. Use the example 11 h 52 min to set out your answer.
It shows 3 h 24 min
